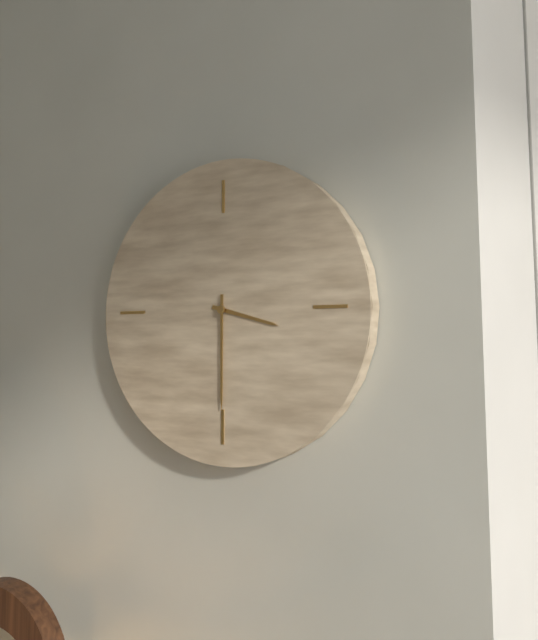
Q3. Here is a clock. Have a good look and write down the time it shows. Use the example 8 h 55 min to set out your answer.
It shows 3 h 30 min
